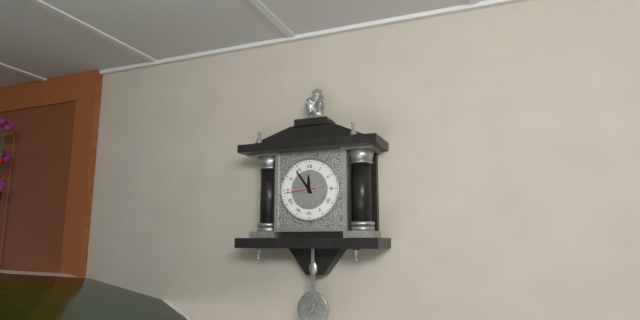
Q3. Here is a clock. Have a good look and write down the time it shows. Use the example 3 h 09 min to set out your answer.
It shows 11 h 54 min
